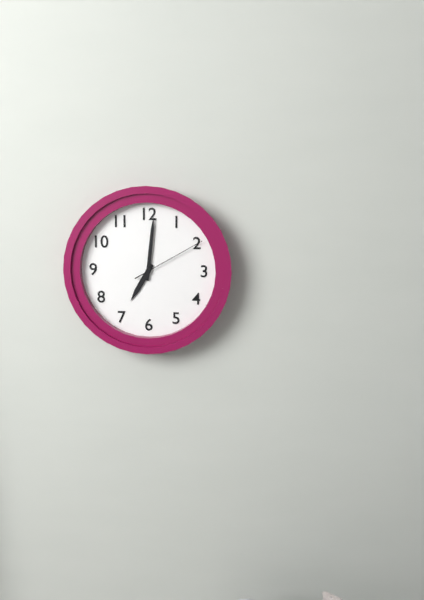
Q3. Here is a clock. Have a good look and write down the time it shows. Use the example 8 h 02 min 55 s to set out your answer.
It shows 7 h 01 min 10 s
